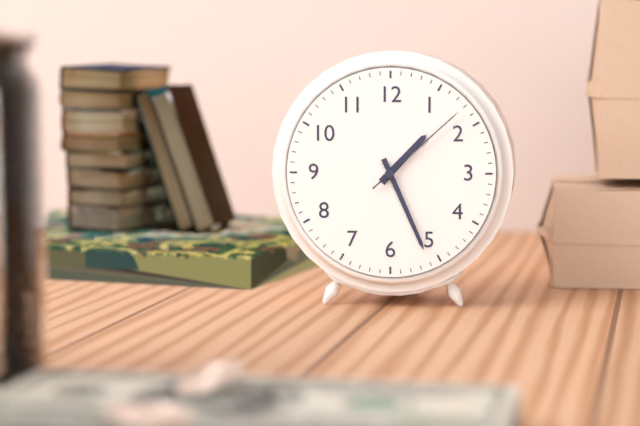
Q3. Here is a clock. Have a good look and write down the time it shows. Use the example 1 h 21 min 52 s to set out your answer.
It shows 1 h 26 min 08 s
